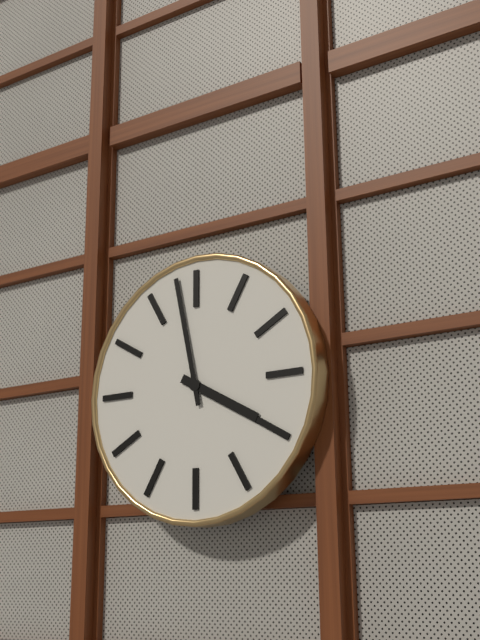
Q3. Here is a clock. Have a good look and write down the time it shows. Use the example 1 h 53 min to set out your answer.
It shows 3 h 58 min
